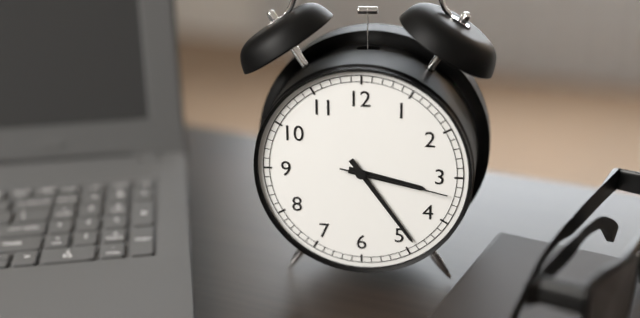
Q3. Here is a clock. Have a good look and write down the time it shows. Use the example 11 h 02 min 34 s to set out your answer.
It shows 3 h 24 min 17 s
